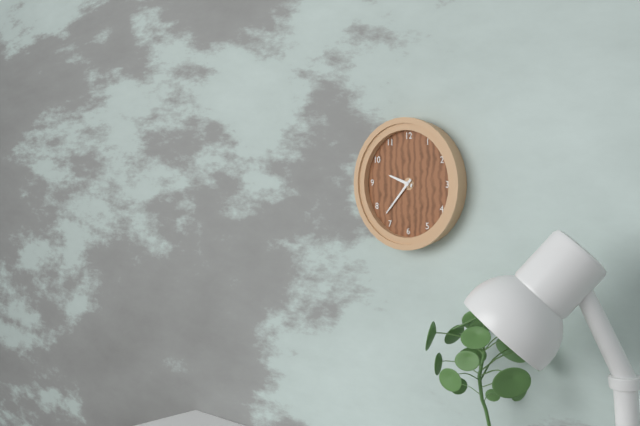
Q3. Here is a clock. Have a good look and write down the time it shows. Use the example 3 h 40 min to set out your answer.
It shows 9 h 37 min
